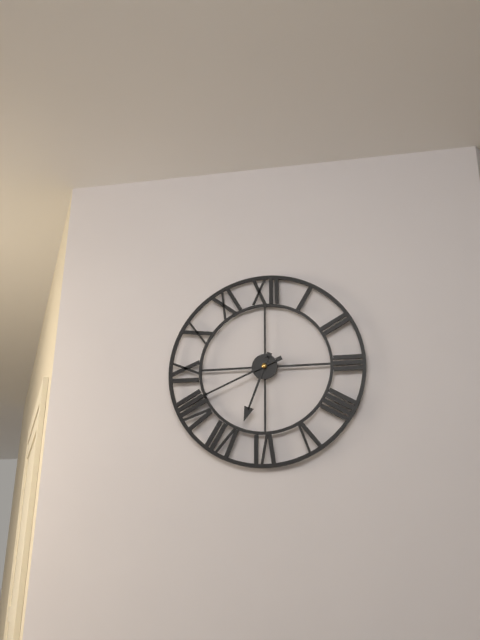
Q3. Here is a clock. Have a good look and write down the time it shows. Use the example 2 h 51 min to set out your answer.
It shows 6 h 41 min
